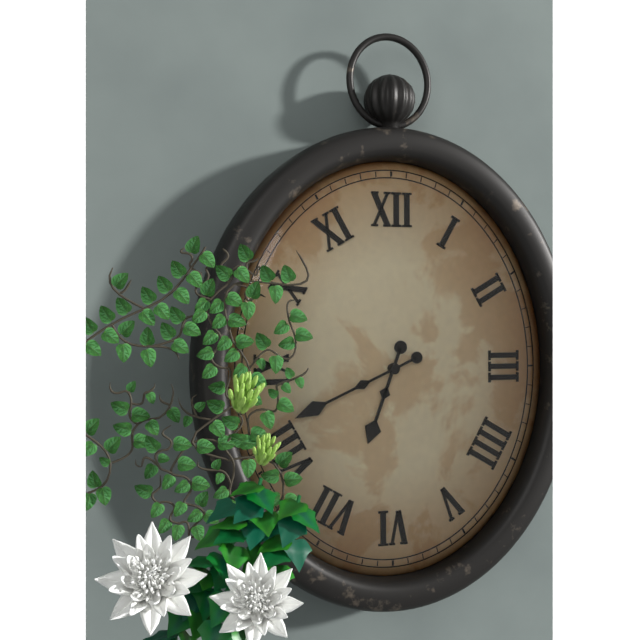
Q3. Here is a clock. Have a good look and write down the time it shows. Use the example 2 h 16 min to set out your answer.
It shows 6 h 41 min
